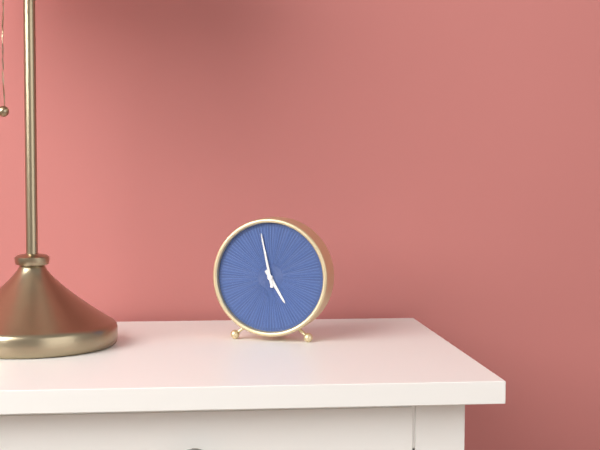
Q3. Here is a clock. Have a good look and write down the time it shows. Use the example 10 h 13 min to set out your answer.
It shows 4 h 58 min
